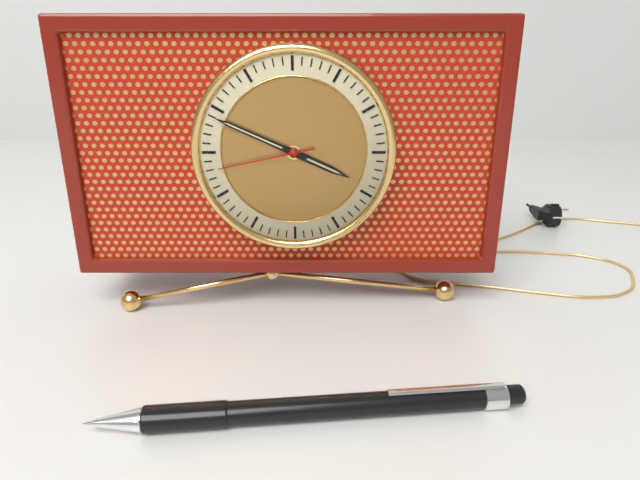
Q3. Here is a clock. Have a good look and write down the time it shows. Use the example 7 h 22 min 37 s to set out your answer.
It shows 3 h 49 min 43 s
